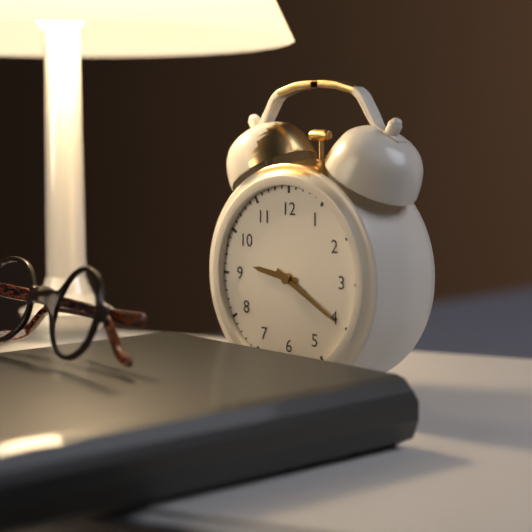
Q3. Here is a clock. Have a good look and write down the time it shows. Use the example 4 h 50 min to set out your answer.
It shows 9 h 20 min
